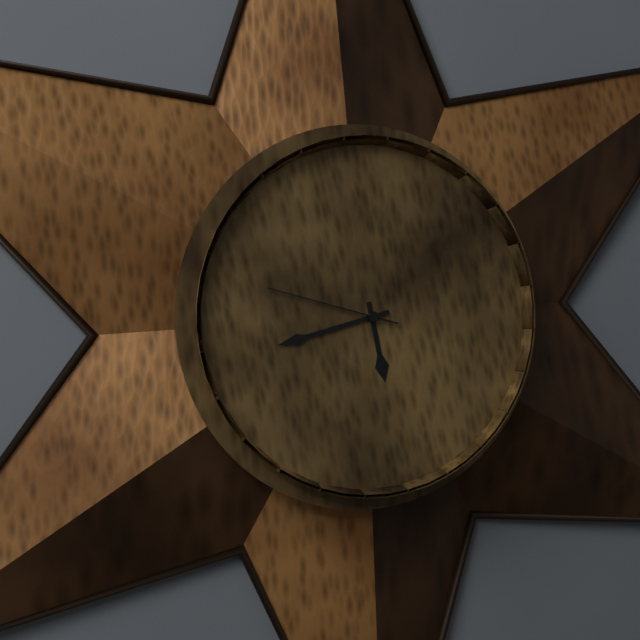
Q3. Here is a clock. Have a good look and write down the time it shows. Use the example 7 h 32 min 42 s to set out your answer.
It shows 5 h 43 min 48 s
